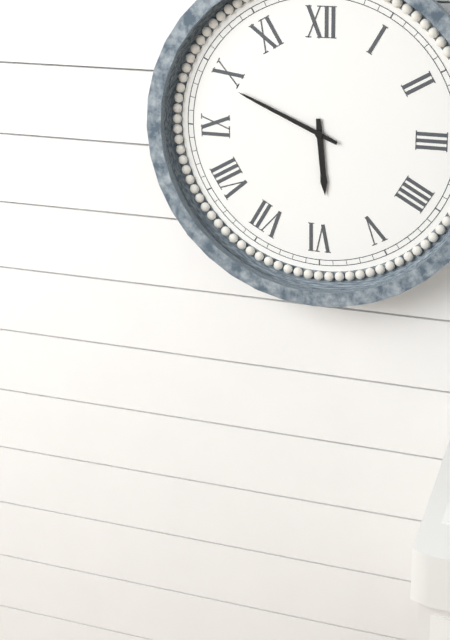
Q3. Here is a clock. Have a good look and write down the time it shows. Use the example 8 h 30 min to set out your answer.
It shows 5 h 49 min
